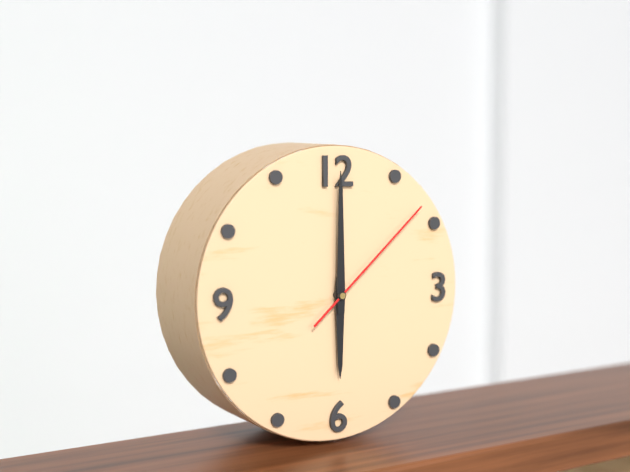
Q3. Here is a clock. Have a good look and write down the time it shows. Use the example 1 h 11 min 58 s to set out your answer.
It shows 6 h 00 min 08 s
